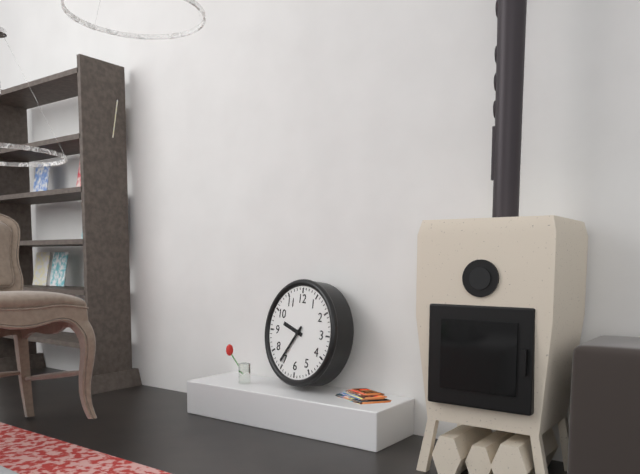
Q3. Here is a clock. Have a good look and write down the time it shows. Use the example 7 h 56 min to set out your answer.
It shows 9 h 36 min
